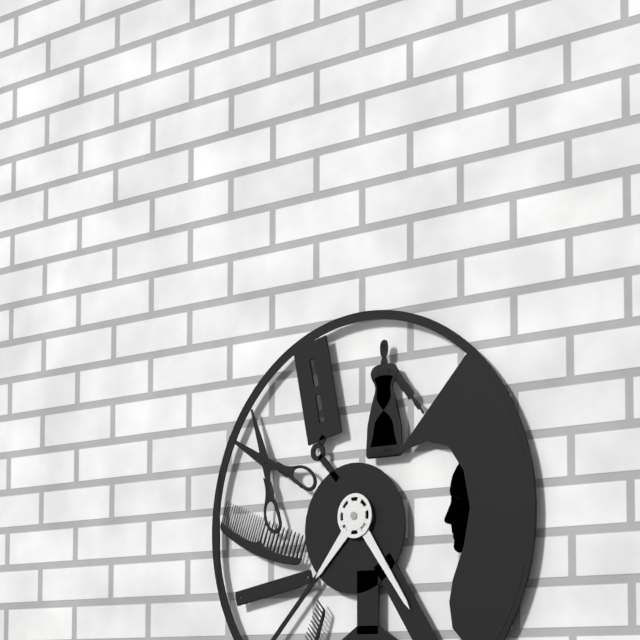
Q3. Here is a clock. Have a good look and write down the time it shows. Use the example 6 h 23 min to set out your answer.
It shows 7 h 24 min
